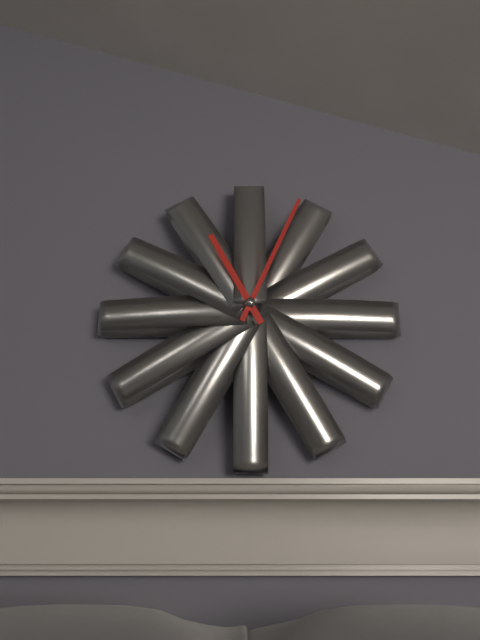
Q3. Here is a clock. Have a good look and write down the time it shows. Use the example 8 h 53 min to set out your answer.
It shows 11 h 04 min
